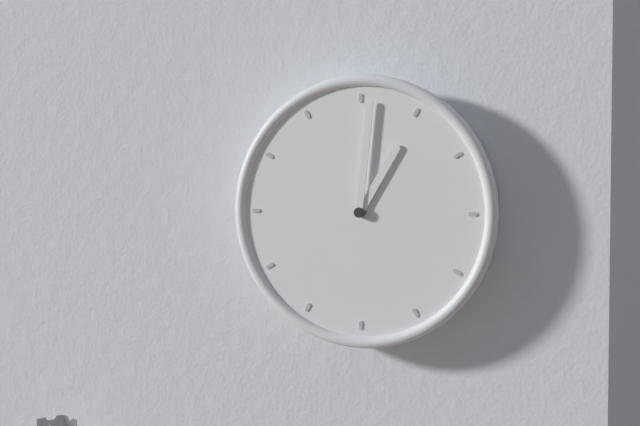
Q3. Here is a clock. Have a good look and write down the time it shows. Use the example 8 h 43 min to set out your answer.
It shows 1 h 01 min
